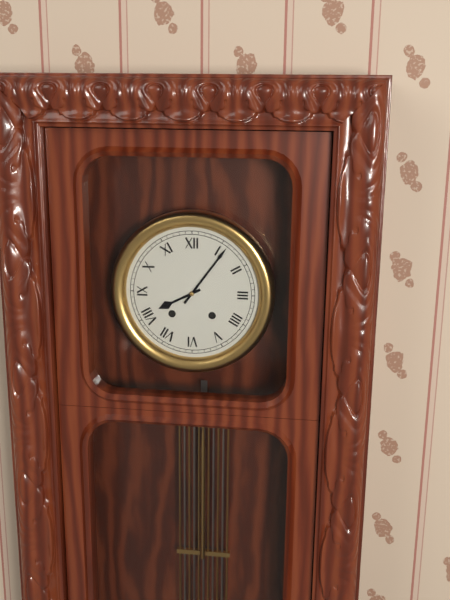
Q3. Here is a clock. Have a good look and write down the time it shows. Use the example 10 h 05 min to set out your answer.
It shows 8 h 06 min
